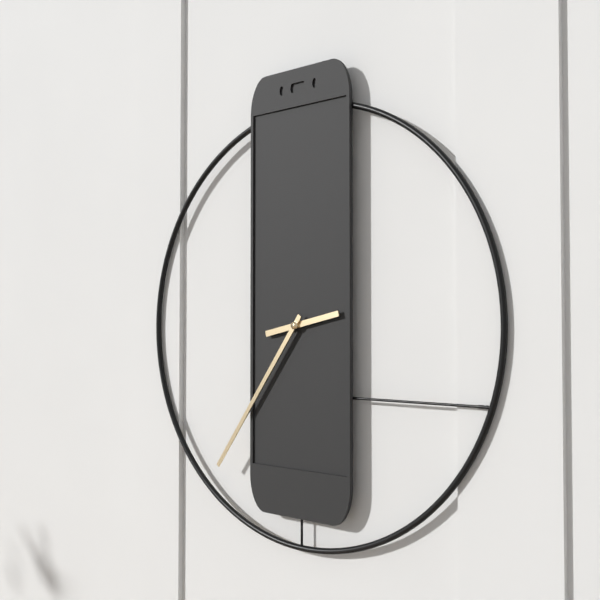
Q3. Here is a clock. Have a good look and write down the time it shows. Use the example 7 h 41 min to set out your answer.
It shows 2 h 36 min
